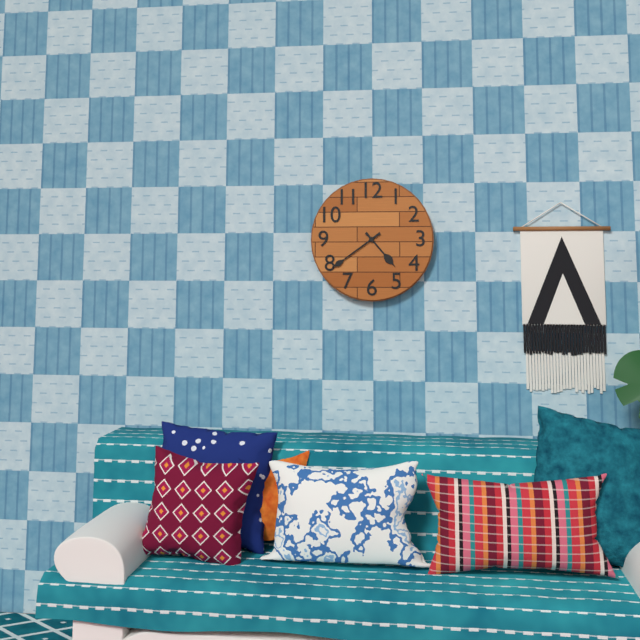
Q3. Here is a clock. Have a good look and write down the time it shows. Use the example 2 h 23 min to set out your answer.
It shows 4 h 39 min
